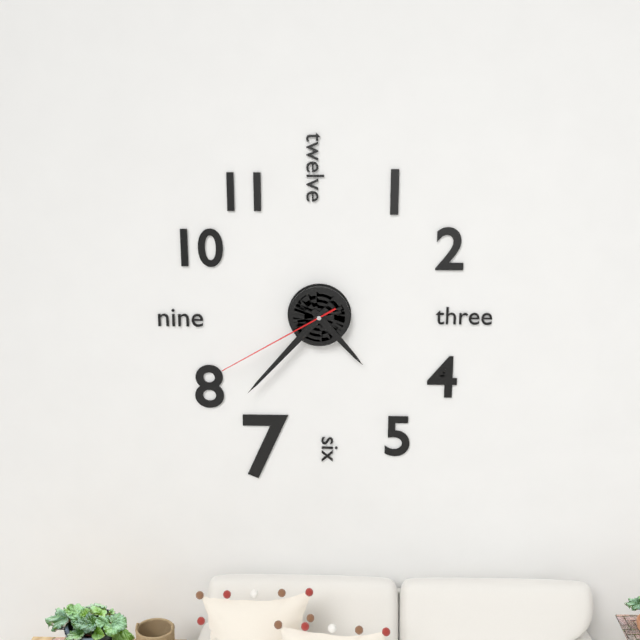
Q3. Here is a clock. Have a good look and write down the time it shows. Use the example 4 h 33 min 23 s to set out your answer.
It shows 4 h 37 min 40 s
